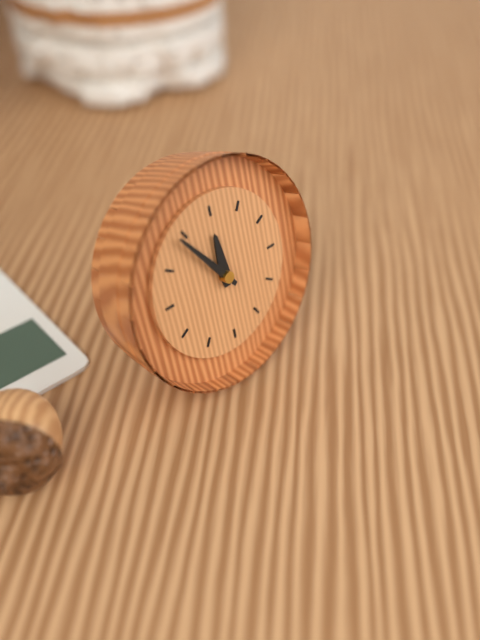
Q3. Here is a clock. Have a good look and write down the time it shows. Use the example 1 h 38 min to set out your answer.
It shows 11 h 54 min
